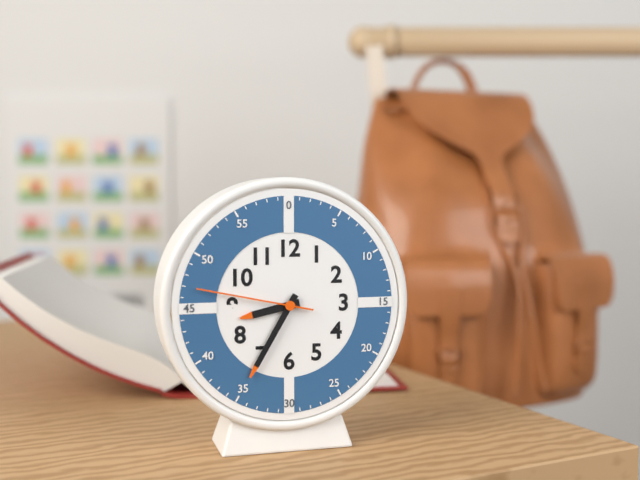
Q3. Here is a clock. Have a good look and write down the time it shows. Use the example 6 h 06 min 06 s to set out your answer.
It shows 8 h 35 min 47 s
